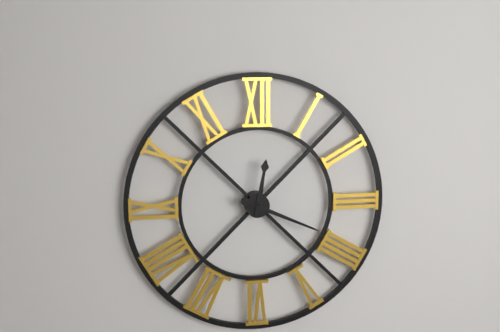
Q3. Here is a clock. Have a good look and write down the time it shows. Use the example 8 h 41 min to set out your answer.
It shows 12 h 19 min
